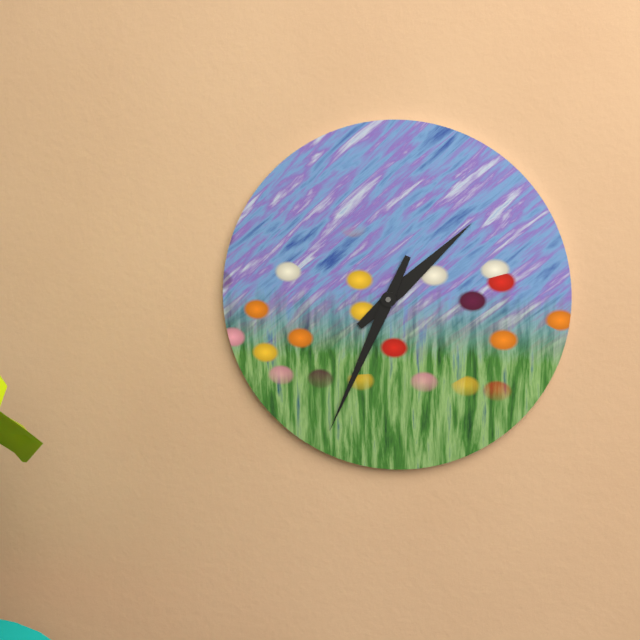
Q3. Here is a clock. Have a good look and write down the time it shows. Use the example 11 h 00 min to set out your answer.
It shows 1 h 34 min
